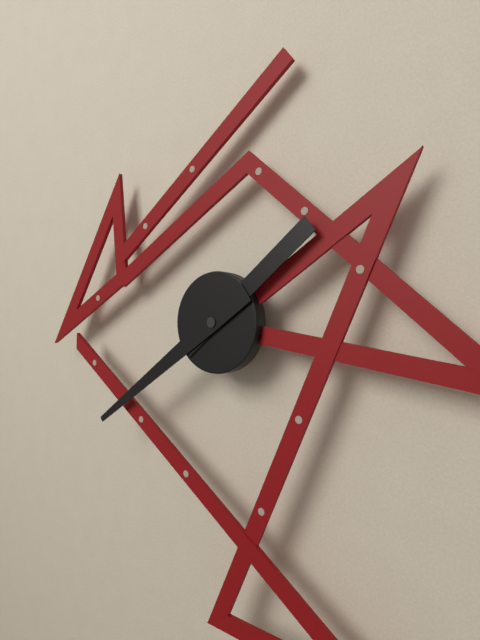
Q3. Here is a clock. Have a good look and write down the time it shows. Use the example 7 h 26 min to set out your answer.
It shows 1 h 39 min
